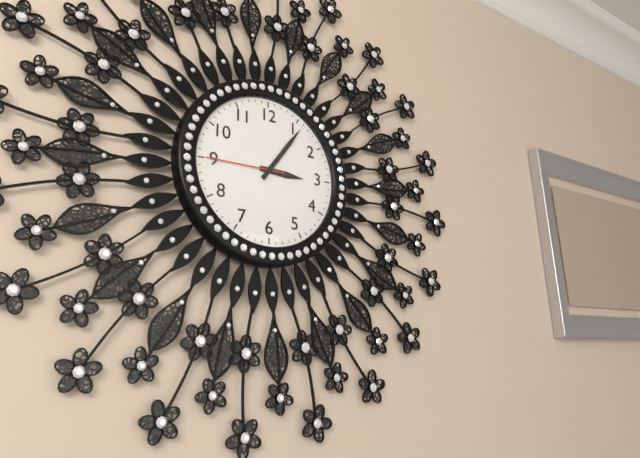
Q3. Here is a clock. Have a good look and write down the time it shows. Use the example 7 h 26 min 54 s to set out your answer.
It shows 3 h 06 min 45 s
